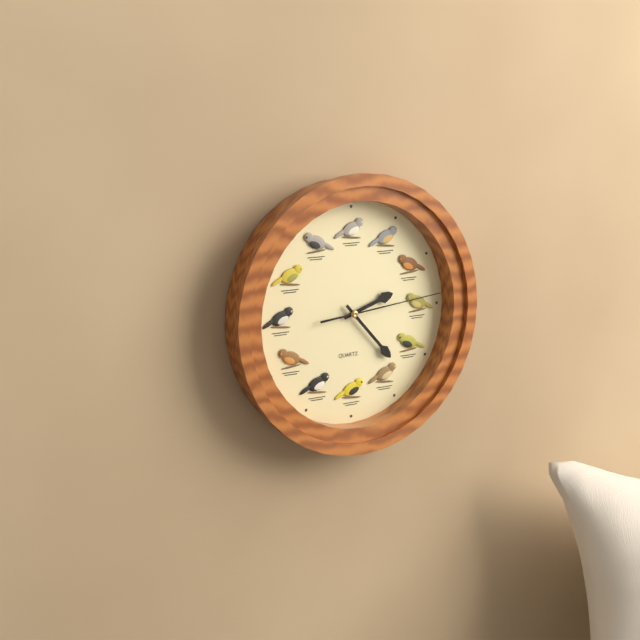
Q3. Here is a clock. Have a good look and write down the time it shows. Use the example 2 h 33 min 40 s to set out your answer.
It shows 2 h 23 min 14 s
